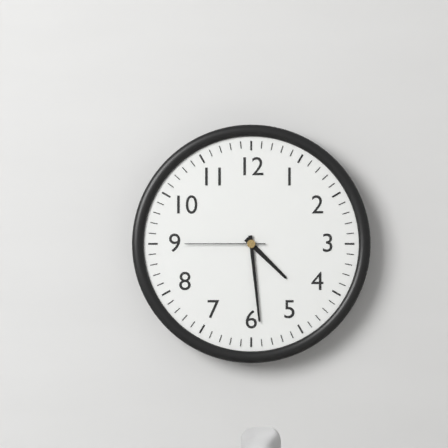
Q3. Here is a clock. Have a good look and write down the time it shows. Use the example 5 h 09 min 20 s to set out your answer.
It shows 4 h 29 min 45 s
